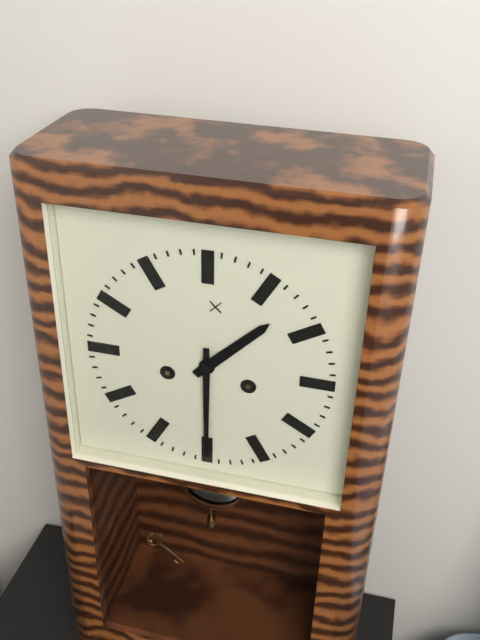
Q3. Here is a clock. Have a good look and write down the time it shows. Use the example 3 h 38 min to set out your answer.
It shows 1 h 30 min
